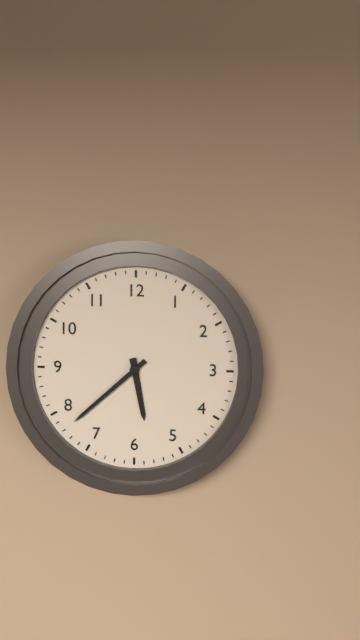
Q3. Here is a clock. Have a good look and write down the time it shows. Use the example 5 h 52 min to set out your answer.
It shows 5 h 38 min
